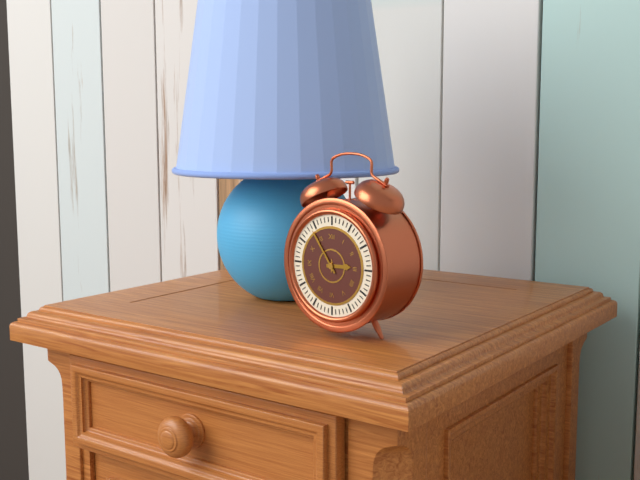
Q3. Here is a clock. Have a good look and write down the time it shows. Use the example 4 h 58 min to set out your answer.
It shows 2 h 54 min
